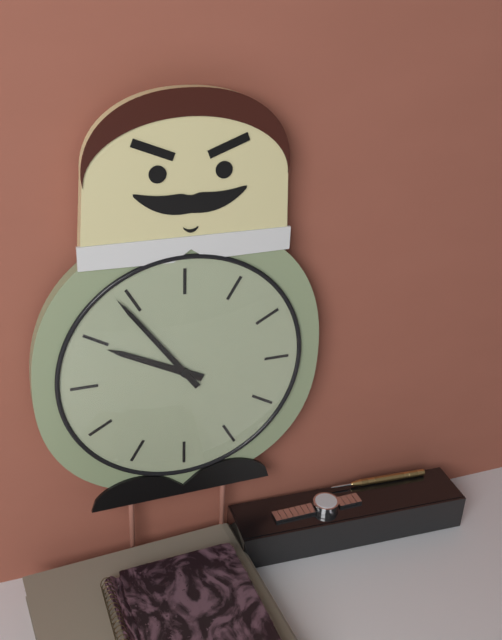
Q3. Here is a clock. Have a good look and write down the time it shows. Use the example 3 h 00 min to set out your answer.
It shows 9 h 54 min
